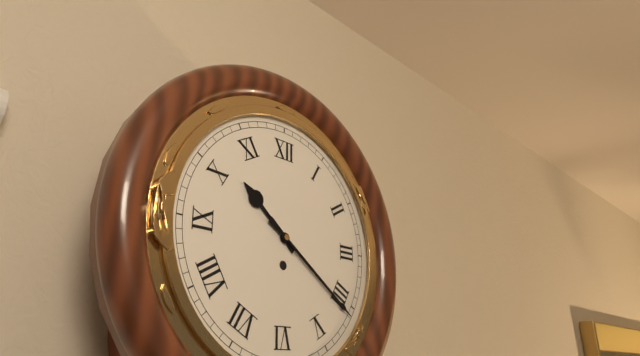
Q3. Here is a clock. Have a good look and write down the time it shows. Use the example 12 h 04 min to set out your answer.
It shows 10 h 21 min
